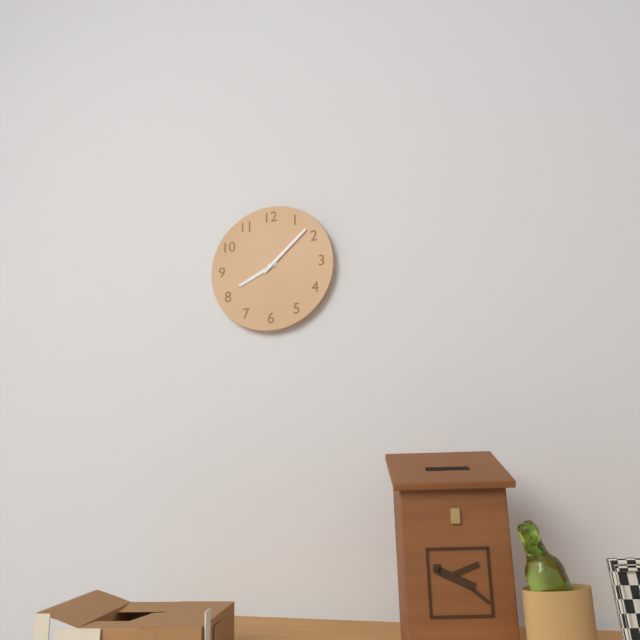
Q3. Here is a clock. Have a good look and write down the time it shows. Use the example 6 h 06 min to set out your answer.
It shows 8 h 08 min
